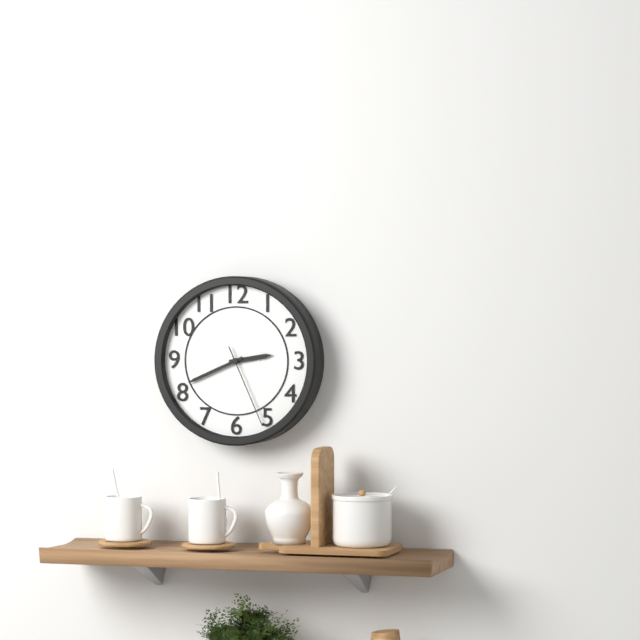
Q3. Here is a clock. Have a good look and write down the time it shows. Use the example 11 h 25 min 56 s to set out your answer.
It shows 2 h 41 min 26 s
